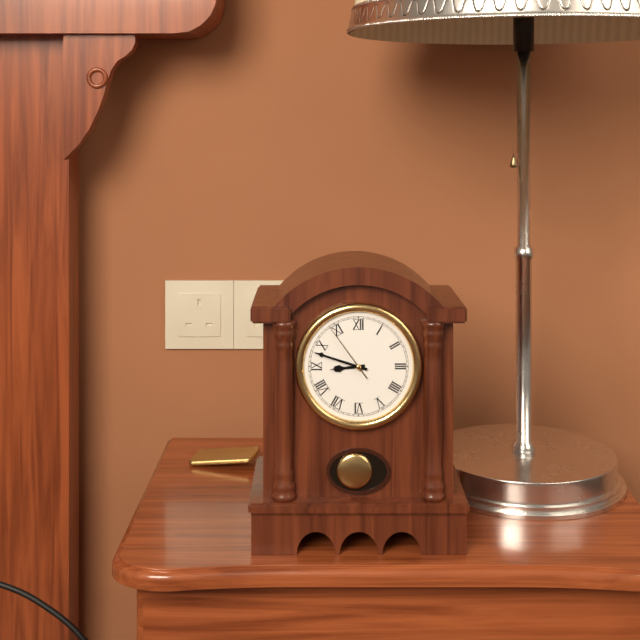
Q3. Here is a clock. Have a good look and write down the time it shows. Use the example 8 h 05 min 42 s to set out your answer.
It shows 8 h 48 min 54 s
